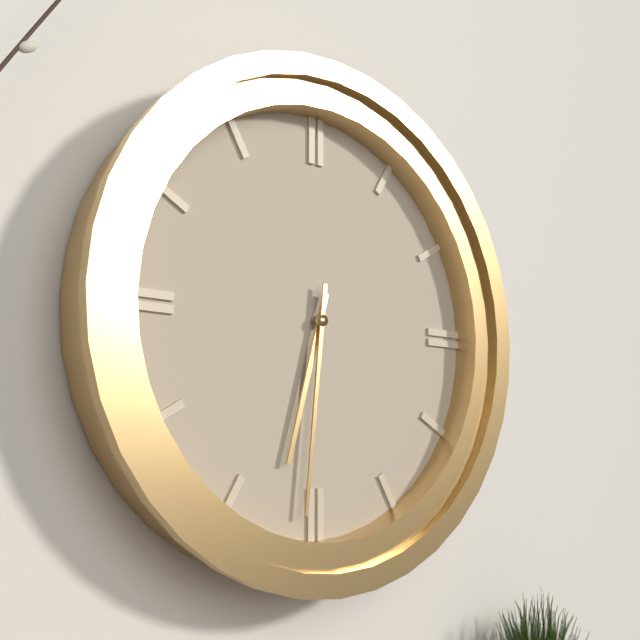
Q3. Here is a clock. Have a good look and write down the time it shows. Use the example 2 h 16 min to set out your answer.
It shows 6 h 31 min
